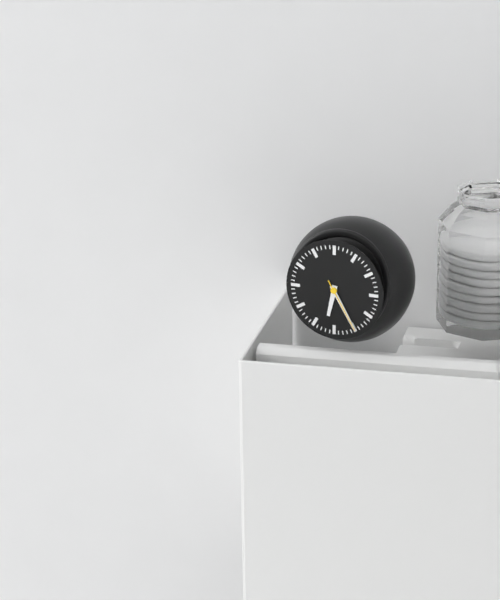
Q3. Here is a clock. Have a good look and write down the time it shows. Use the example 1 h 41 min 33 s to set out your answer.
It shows 6 h 25 min 25 s
